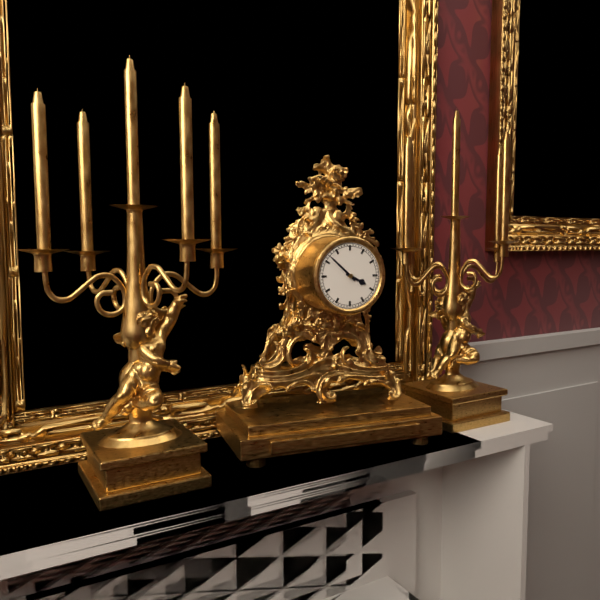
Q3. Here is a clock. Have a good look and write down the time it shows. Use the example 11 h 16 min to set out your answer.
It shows 3 h 52 min
